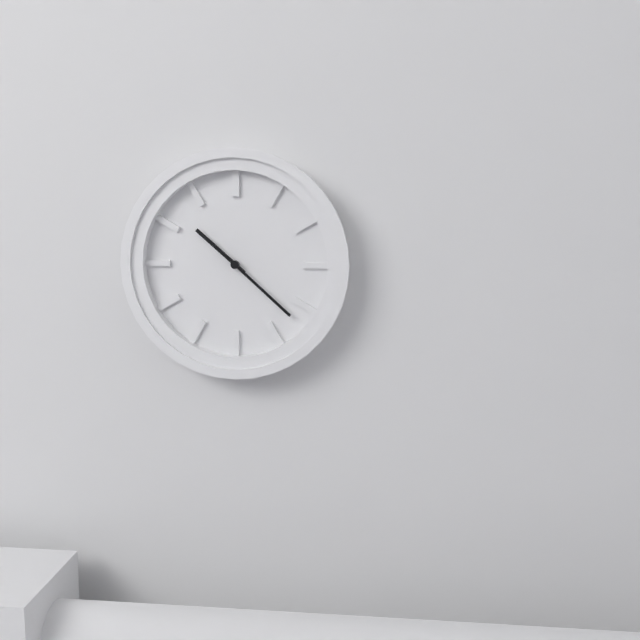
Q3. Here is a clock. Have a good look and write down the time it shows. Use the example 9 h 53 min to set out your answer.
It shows 10 h 22 min
